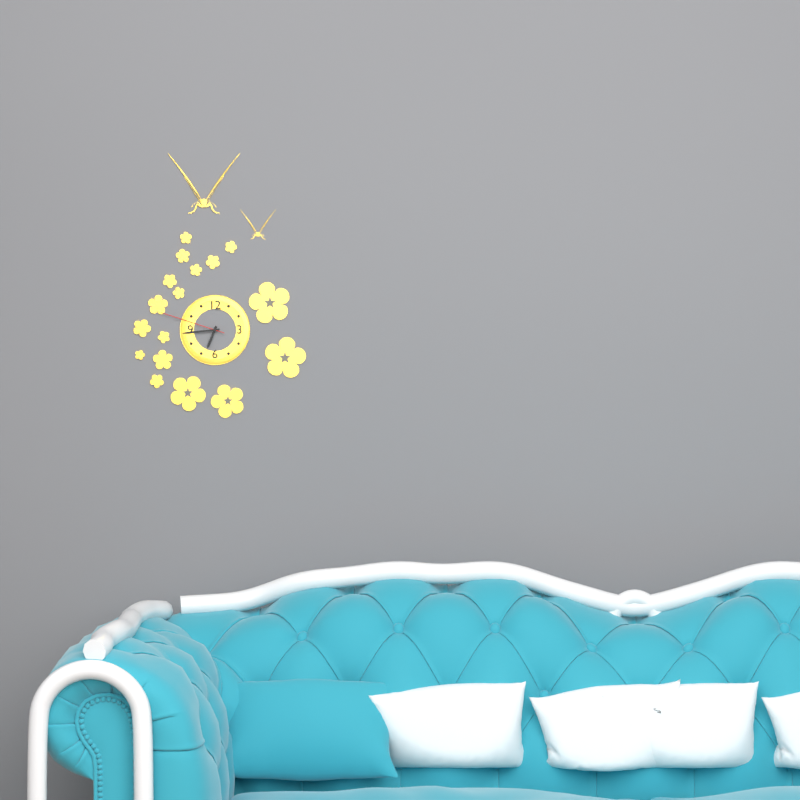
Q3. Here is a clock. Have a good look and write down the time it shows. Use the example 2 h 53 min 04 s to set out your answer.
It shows 6 h 44 min 48 s
